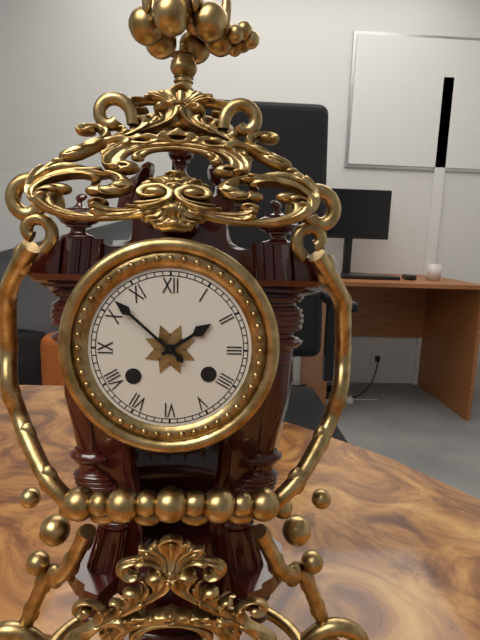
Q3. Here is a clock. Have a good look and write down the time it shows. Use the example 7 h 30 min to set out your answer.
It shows 1 h 52 min
